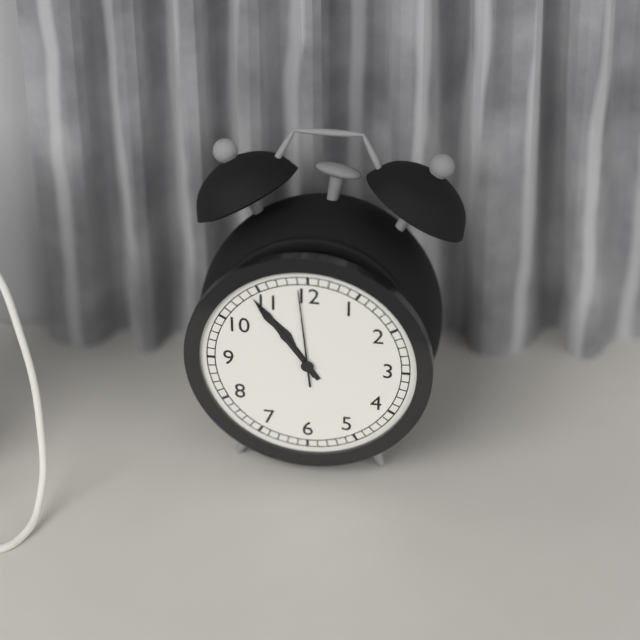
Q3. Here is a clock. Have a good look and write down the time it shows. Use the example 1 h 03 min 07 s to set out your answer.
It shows 10 h 54 min 59 s
